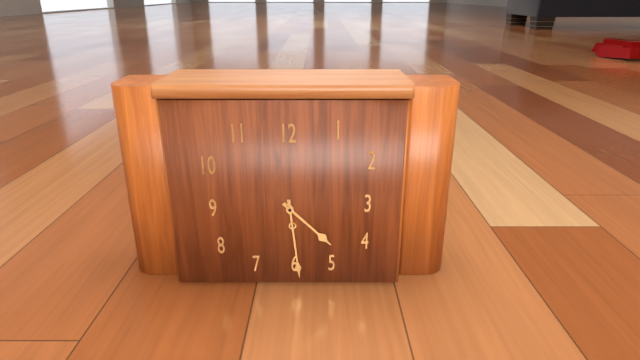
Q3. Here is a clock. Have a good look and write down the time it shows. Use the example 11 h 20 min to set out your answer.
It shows 4 h 29 min
